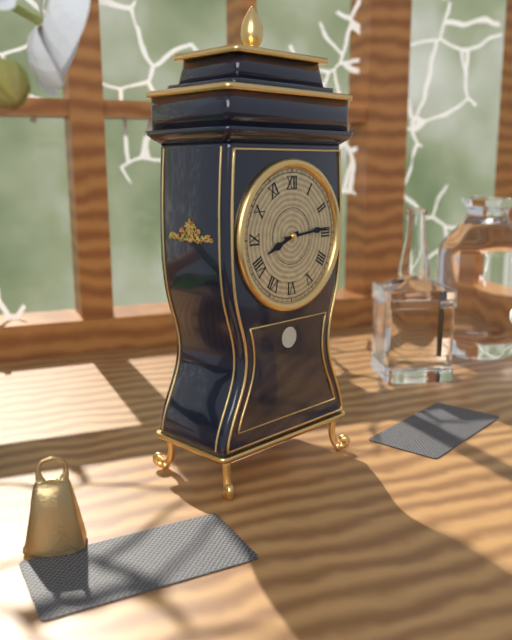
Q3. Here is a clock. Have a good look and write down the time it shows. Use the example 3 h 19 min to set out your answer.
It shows 8 h 14 min
